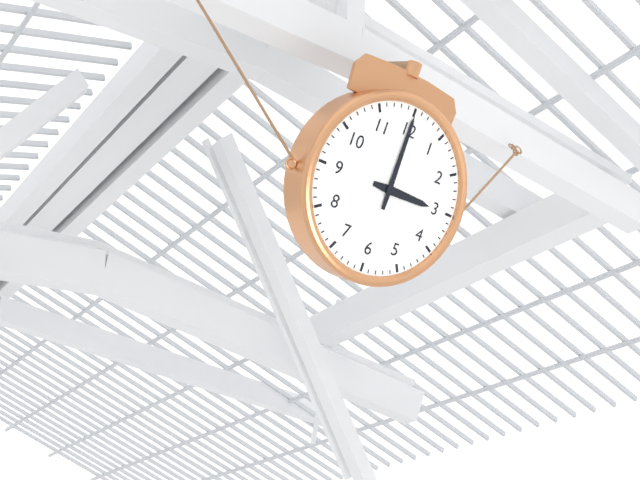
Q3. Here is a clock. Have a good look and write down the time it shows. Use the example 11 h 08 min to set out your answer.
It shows 3 h 00 min
